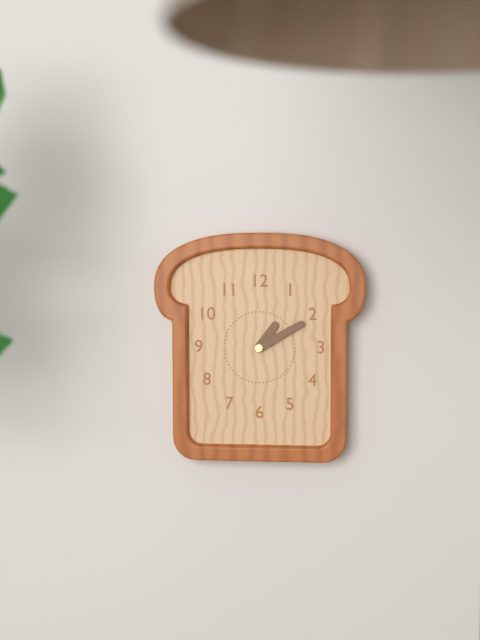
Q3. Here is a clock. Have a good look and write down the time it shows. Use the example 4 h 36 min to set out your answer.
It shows 1 h 10 min
